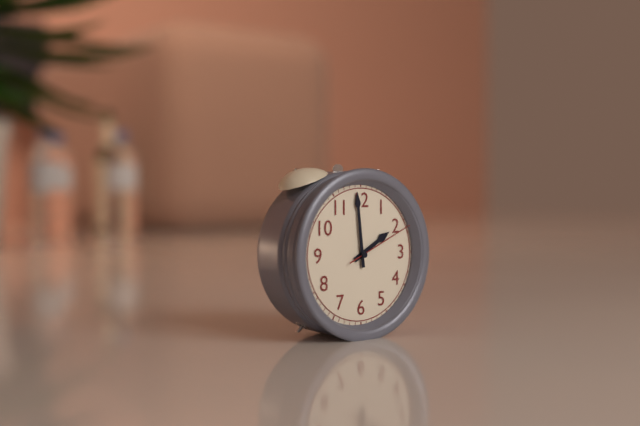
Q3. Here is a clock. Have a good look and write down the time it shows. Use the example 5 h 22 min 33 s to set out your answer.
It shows 1 h 59 min 11 s
